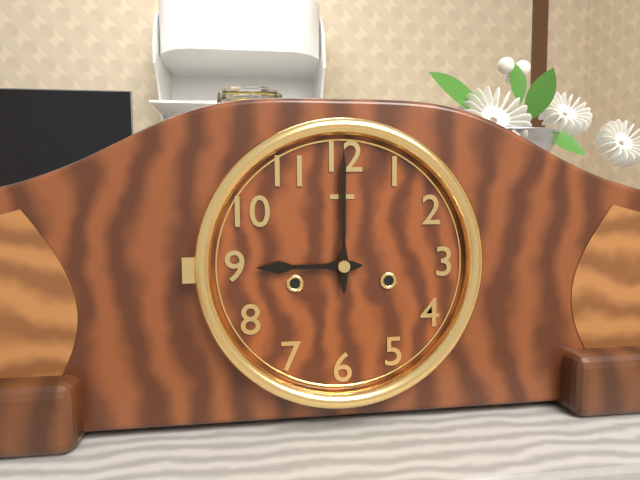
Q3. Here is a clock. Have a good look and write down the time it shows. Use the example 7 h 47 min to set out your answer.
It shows 9 h 00 min
